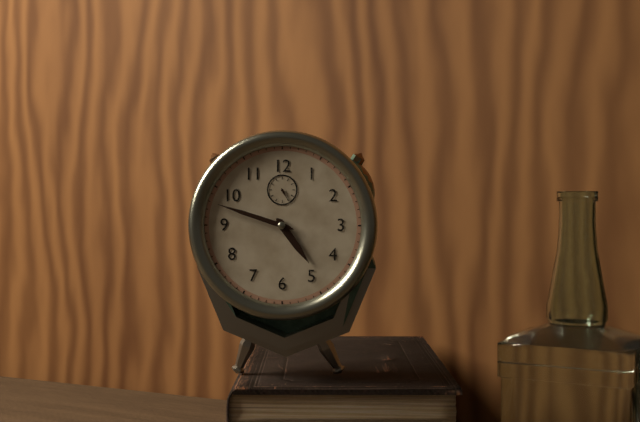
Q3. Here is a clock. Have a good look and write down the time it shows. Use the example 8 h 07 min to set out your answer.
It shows 4 h 48 min
